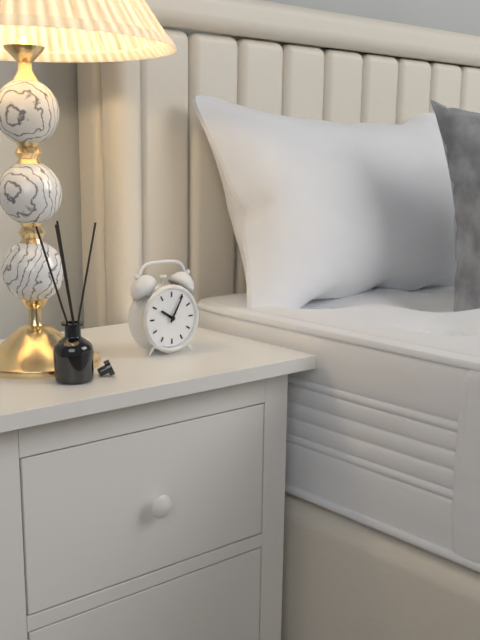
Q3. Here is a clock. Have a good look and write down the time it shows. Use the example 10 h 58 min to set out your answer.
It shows 10 h 05 min
